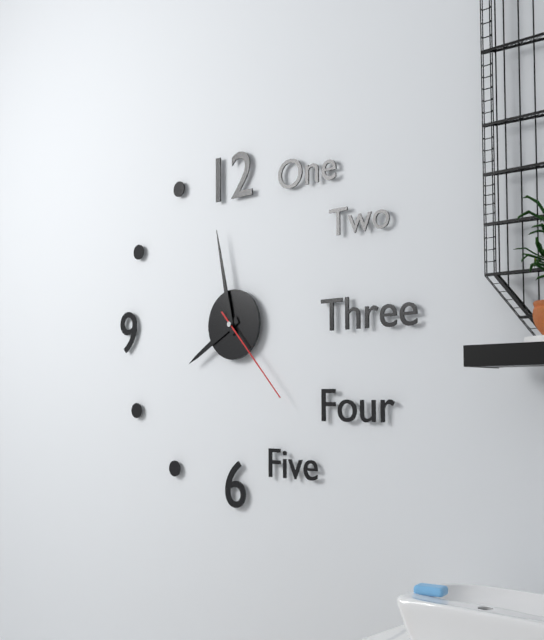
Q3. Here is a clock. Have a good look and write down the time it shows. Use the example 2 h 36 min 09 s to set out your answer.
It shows 7 h 58 min 23 s
